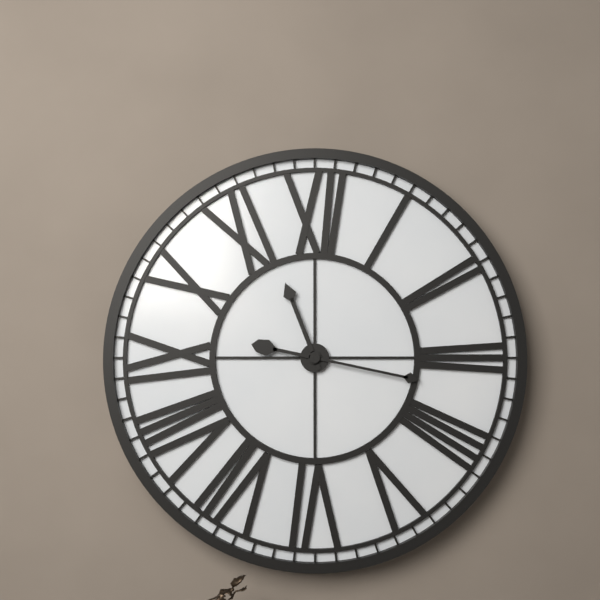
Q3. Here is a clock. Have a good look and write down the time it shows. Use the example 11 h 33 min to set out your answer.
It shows 11 h 17 min
